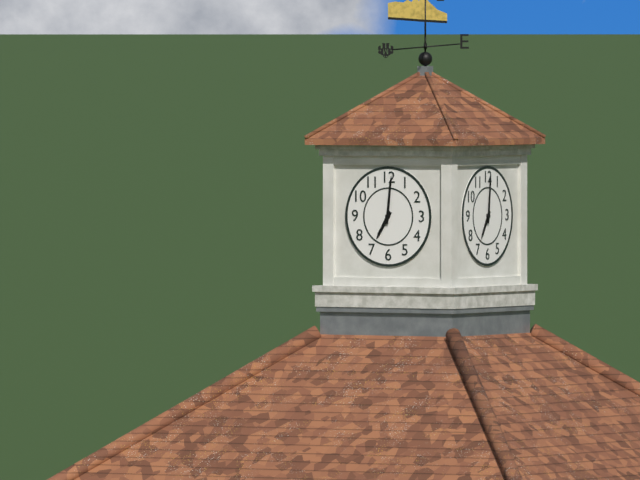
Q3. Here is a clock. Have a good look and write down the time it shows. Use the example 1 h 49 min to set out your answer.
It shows 7 h 01 min
